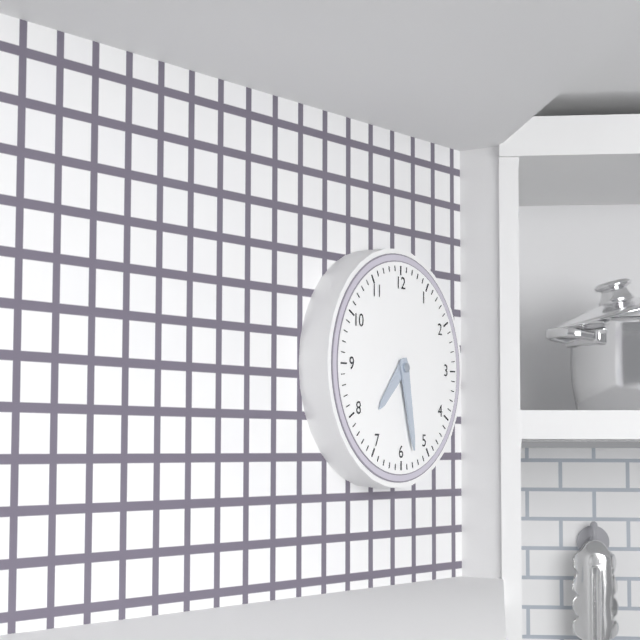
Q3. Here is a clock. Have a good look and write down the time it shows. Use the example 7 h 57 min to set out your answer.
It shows 7 h 28 min
